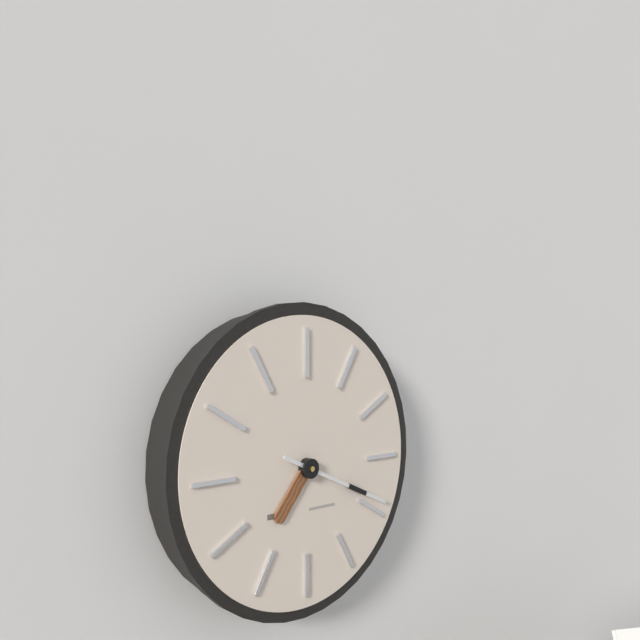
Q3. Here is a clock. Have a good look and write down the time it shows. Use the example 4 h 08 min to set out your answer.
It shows 7 h 19 min
